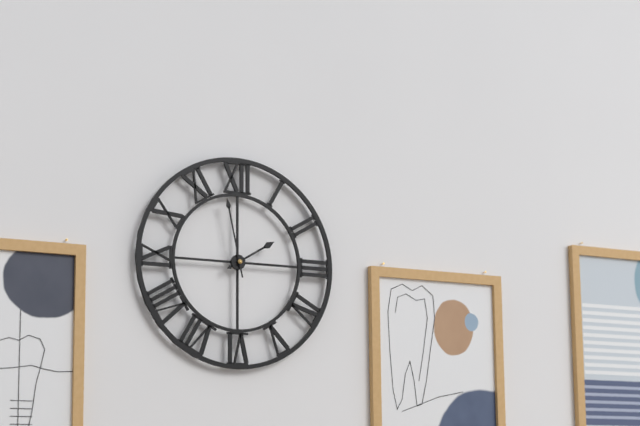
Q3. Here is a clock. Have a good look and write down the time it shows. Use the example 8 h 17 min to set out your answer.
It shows 1 h 58 min
